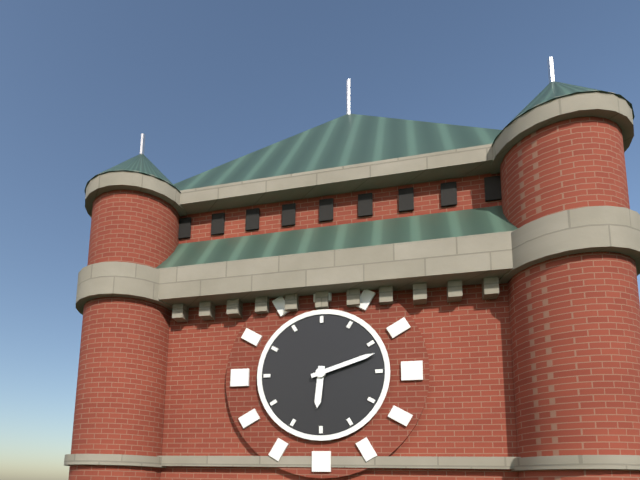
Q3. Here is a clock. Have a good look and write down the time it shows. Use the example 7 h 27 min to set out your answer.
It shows 6 h 12 min
